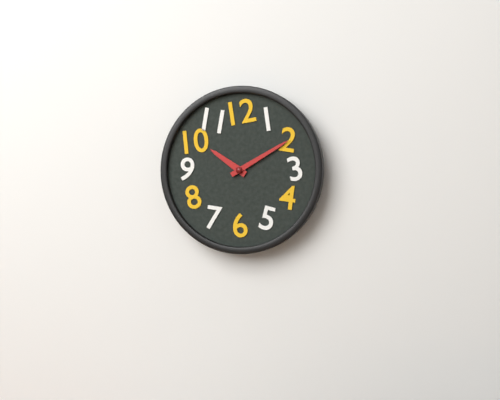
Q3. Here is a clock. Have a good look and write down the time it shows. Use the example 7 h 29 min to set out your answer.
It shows 10 h 10 min
